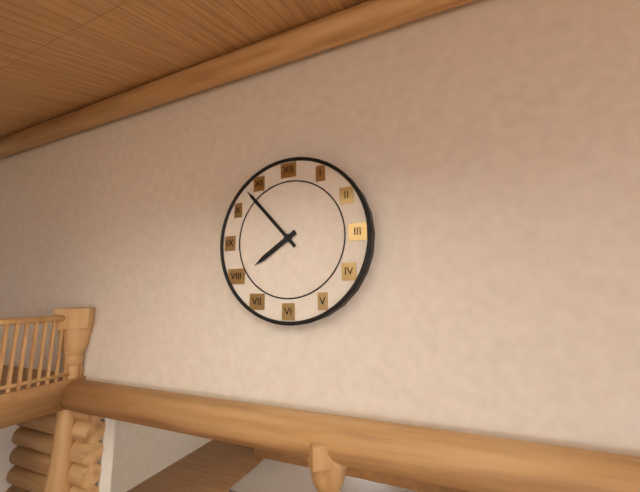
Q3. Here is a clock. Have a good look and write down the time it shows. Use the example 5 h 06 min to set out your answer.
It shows 7 h 53 min
